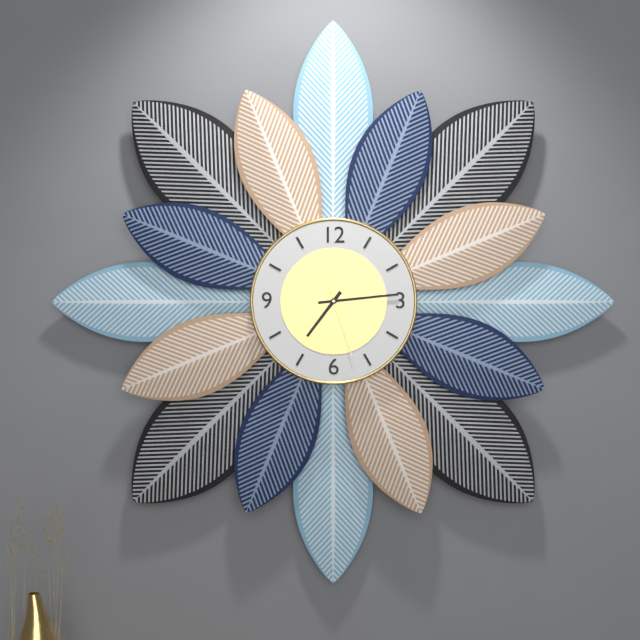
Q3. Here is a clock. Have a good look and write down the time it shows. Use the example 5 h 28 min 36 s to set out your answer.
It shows 7 h 14 min 27 s
